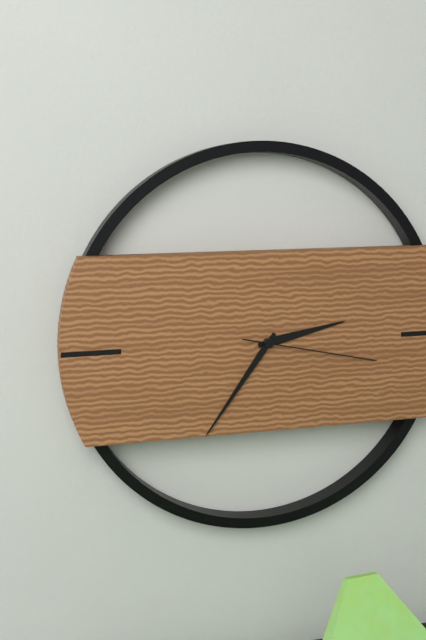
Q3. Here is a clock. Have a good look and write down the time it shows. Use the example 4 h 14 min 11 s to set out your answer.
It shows 2 h 36 min 17 s
